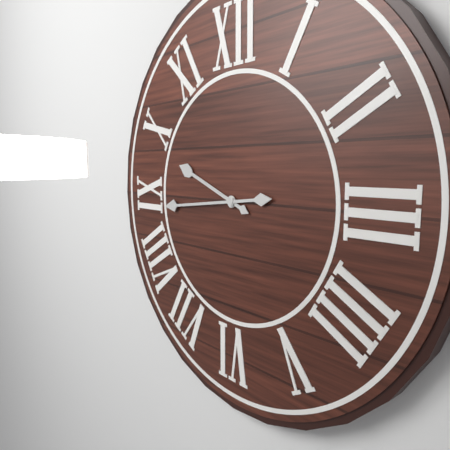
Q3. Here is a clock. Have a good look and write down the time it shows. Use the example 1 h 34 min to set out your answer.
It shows 9 h 44 min
